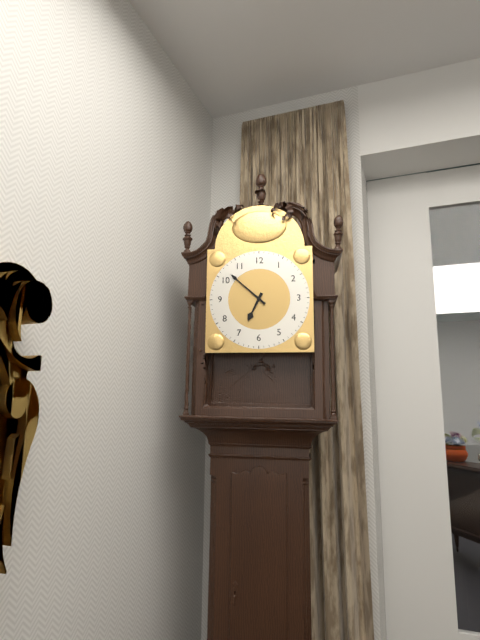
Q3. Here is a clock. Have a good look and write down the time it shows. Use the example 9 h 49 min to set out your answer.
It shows 6 h 52 min
